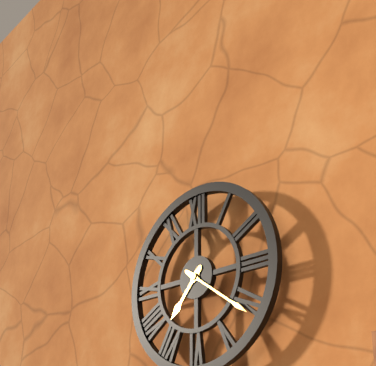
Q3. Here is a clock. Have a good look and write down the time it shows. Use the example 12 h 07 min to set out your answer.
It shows 7 h 21 min
